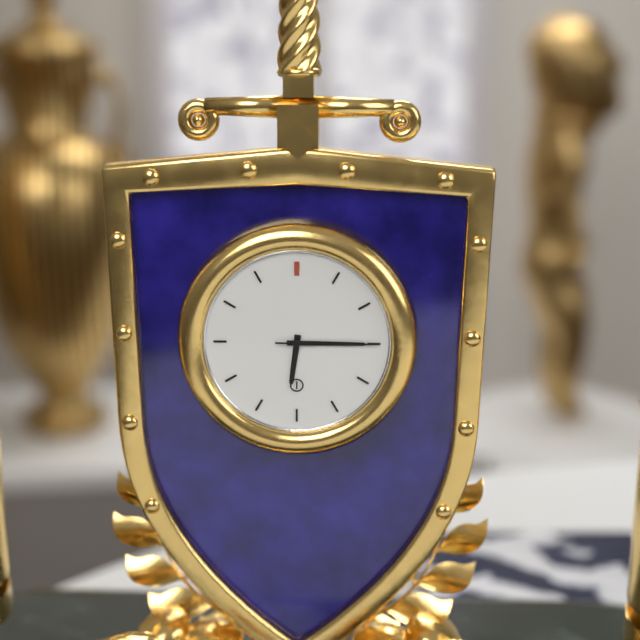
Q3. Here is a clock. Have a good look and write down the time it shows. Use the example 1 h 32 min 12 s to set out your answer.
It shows 6 h 15 min 15 s
